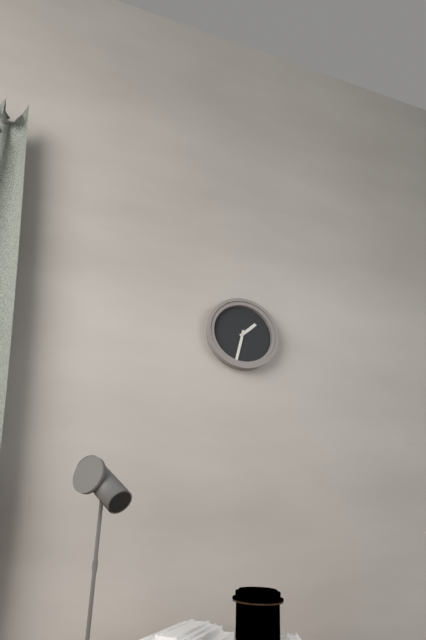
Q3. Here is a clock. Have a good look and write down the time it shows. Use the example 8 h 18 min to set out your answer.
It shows 1 h 32 min
